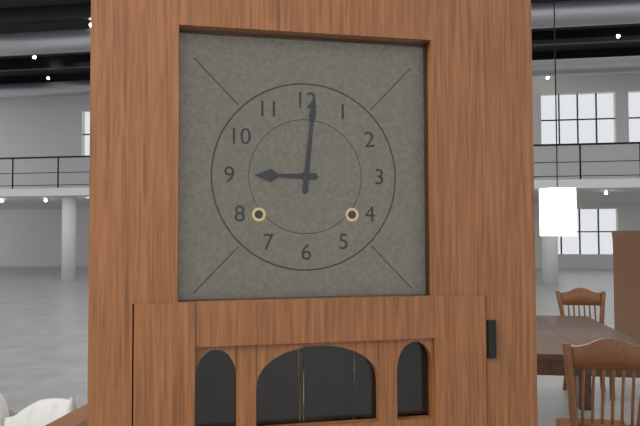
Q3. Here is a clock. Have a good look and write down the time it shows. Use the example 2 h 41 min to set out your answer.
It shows 9 h 01 min
